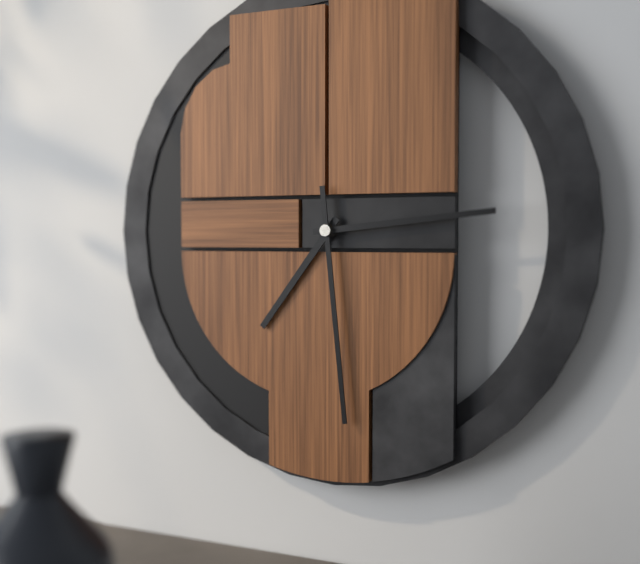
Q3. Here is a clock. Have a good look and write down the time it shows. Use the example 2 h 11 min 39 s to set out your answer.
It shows 7 h 14 min 29 s
